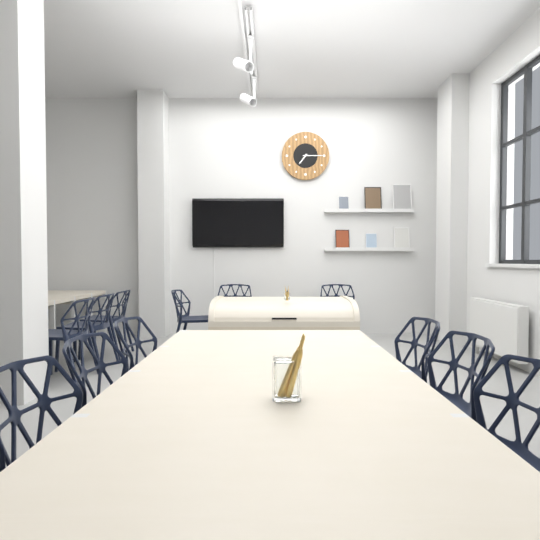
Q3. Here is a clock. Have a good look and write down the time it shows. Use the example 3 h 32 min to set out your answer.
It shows 7 h 15 min
